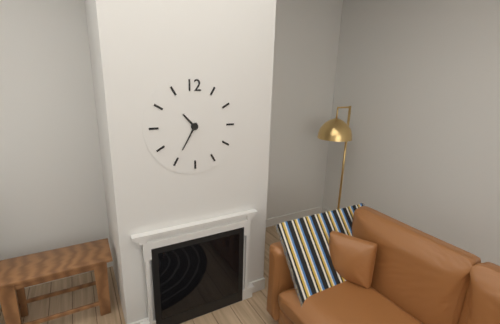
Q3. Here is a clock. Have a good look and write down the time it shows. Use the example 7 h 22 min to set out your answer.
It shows 10 h 35 min
